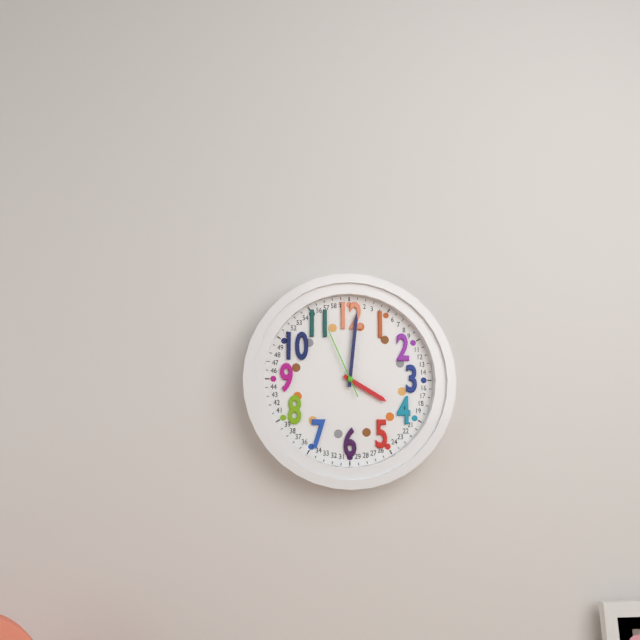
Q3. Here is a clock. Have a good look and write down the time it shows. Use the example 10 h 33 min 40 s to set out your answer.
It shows 4 h 01 min 56 s
